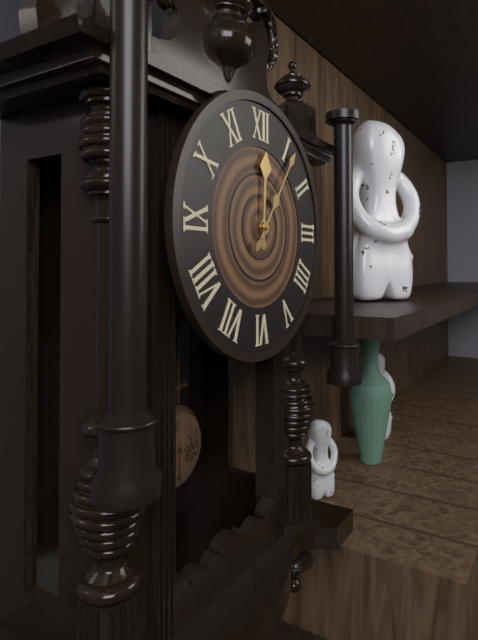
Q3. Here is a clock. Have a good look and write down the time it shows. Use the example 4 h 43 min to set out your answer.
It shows 12 h 06 min
